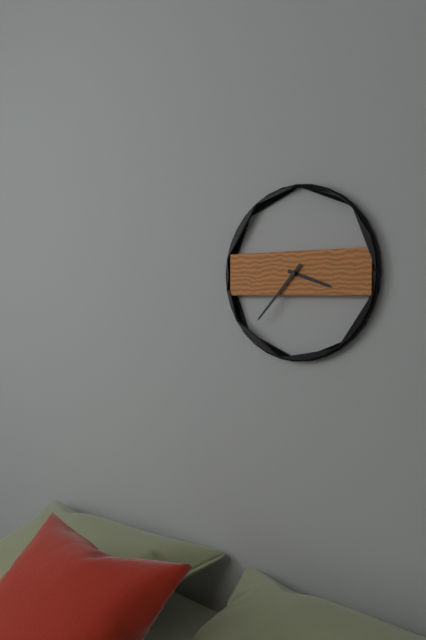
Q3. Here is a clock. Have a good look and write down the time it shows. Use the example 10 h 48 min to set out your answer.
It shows 3 h 37 min
